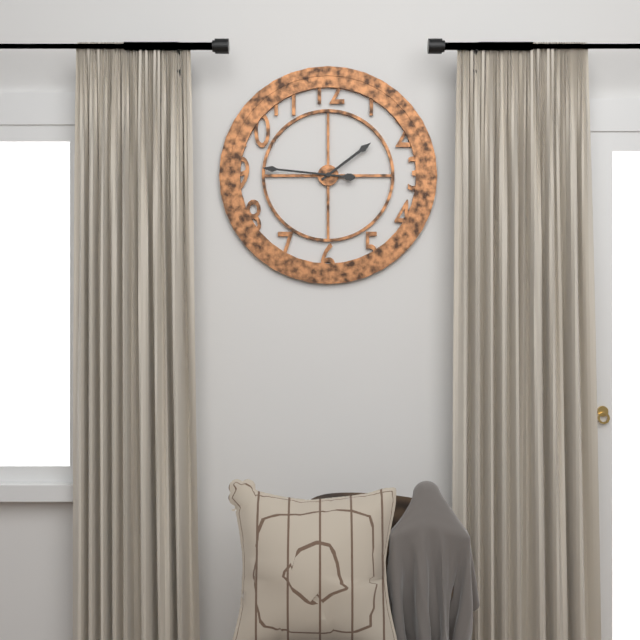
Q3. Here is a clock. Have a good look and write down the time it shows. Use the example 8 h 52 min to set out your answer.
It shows 1 h 46 min
